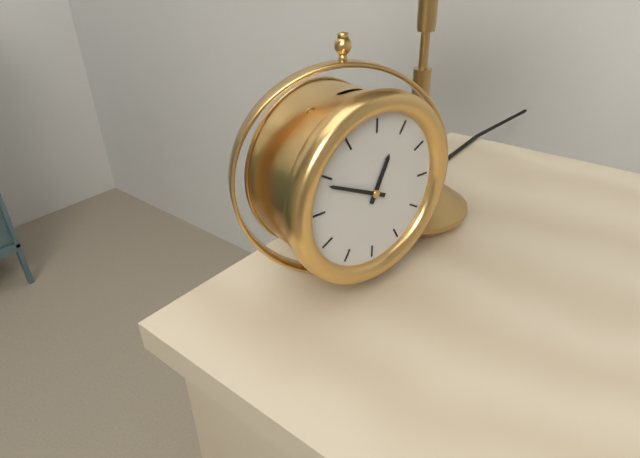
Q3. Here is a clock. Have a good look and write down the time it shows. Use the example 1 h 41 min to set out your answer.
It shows 12 h 49 min
